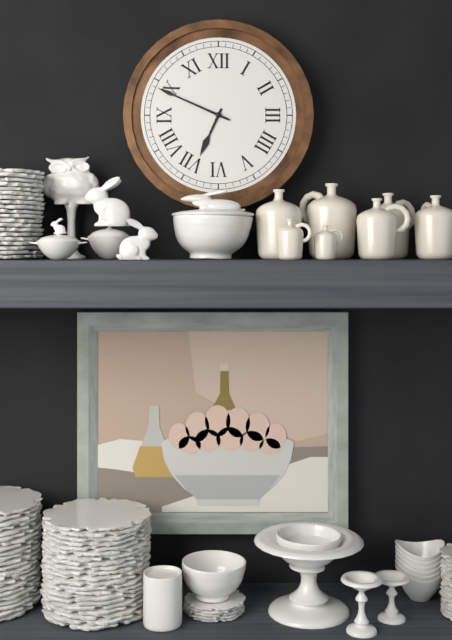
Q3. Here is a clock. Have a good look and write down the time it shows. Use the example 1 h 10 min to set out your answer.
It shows 6 h 49 min
